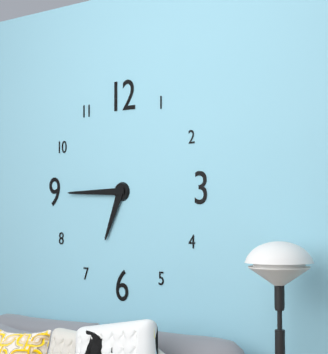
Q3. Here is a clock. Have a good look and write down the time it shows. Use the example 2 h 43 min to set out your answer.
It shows 6 h 45 min
